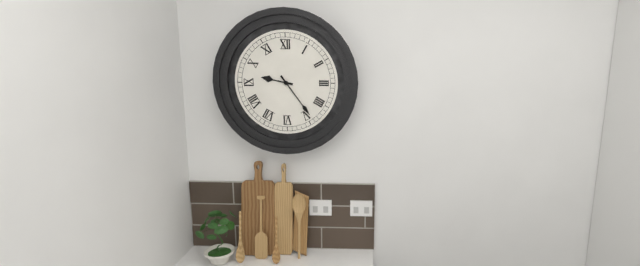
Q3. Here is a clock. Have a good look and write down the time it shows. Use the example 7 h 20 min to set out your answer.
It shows 9 h 24 min
